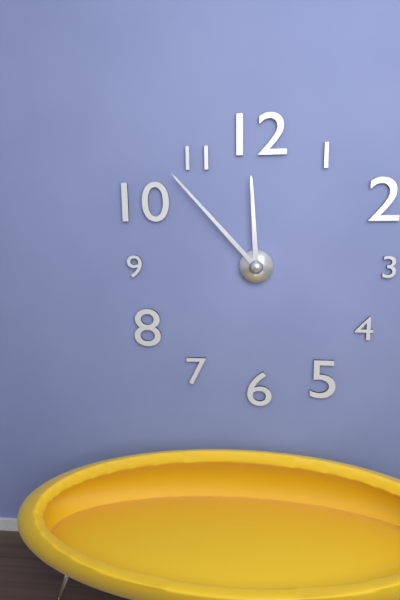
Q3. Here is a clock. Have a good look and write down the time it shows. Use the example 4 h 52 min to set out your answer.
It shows 11 h 53 min
